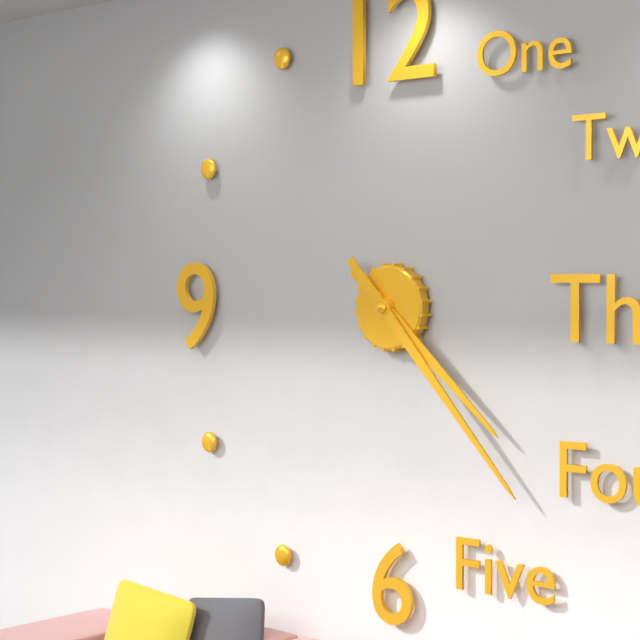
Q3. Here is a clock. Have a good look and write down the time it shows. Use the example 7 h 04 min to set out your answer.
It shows 4 h 23 min
